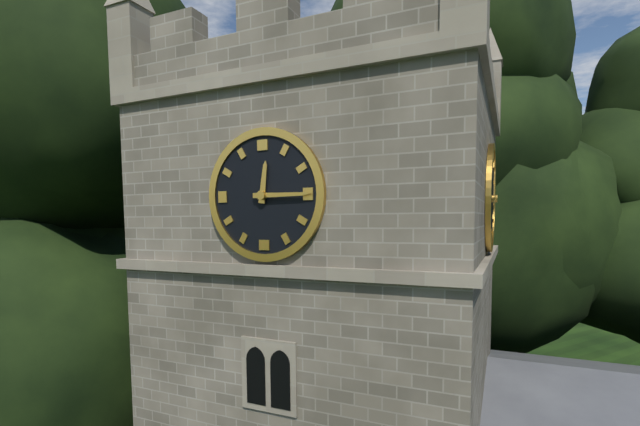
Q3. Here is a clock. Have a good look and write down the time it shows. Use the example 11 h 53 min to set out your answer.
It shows 12 h 15 min
